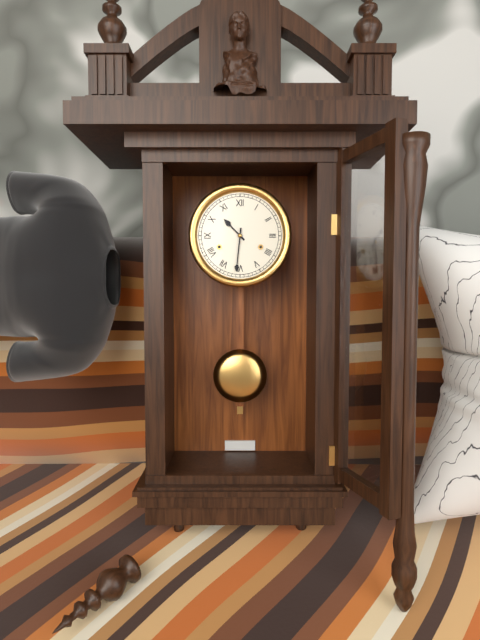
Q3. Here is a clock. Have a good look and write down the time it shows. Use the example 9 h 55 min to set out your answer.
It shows 10 h 31 min
